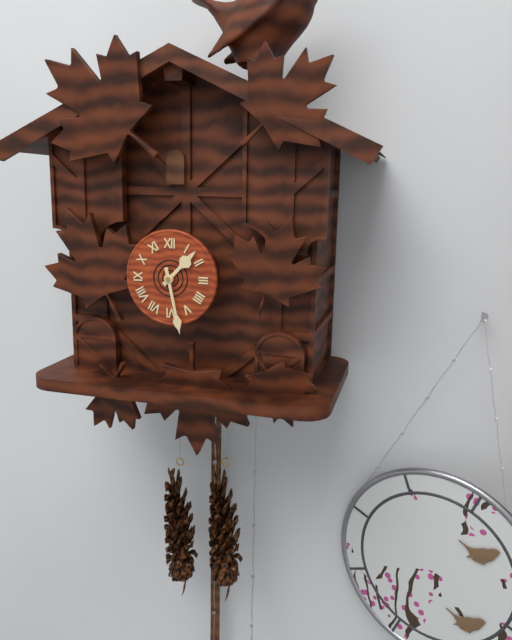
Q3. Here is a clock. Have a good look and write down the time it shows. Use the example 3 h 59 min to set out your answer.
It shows 1 h 28 min
